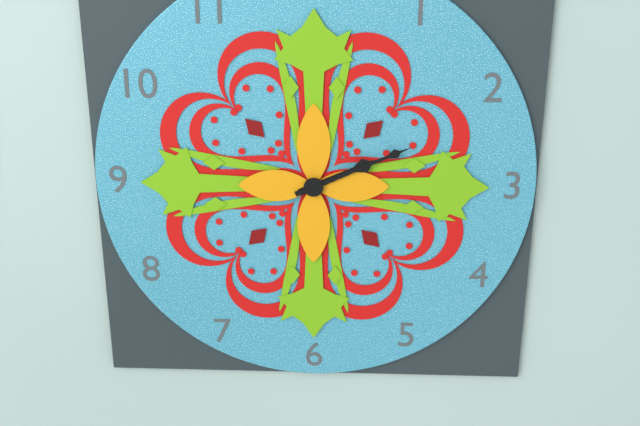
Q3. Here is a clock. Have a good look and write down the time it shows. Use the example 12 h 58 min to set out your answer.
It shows 2 h 11 min
